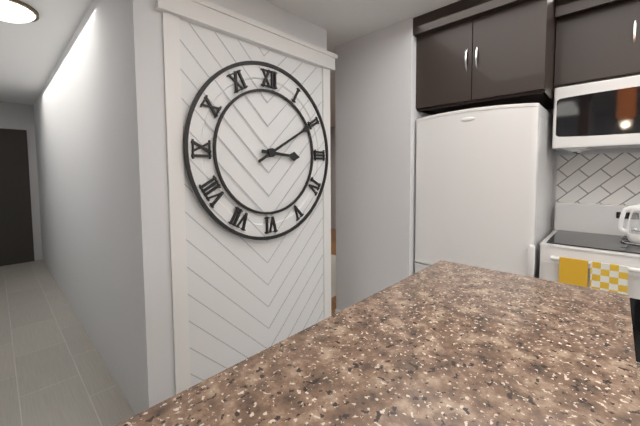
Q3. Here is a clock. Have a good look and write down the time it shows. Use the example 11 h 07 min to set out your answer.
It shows 3 h 10 min
